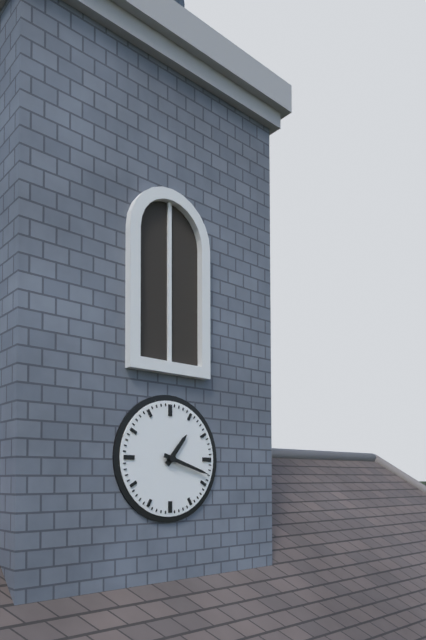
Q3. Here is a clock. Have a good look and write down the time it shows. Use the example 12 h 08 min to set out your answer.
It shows 1 h 18 min
